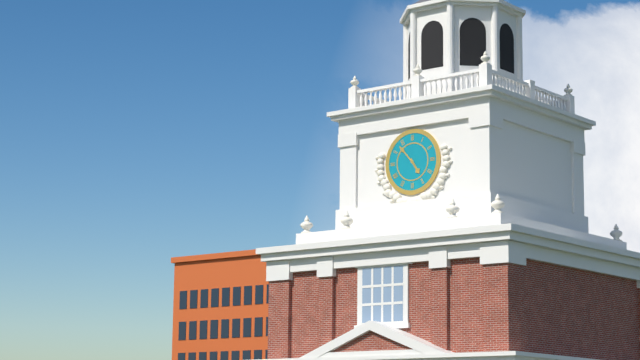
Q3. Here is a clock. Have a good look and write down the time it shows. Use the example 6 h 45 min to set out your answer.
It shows 4 h 53 min
